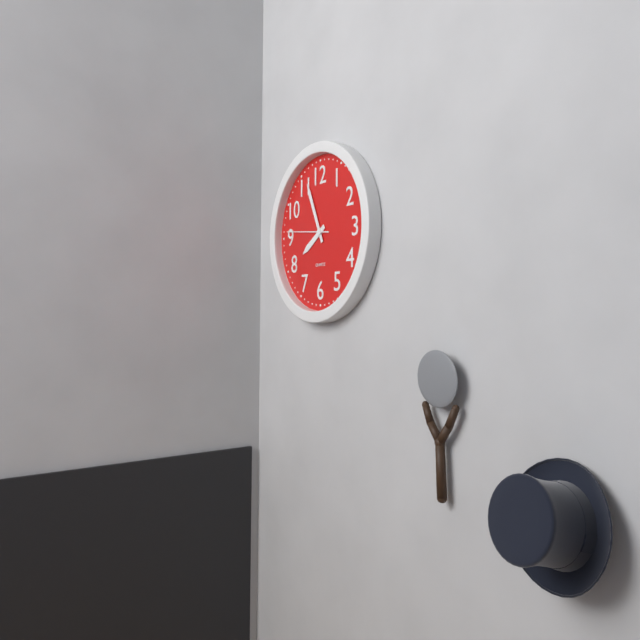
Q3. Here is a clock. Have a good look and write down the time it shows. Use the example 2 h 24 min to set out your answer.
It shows 7 h 56 min
